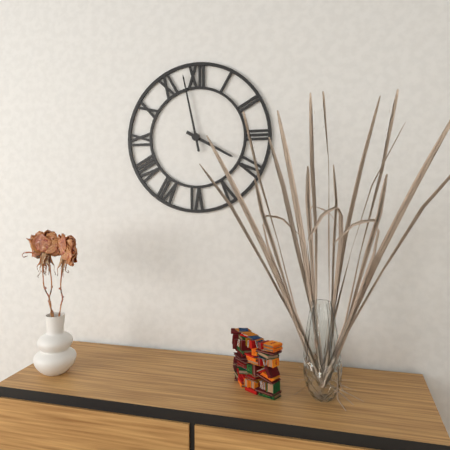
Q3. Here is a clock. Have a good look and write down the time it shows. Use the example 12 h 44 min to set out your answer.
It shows 3 h 58 min
